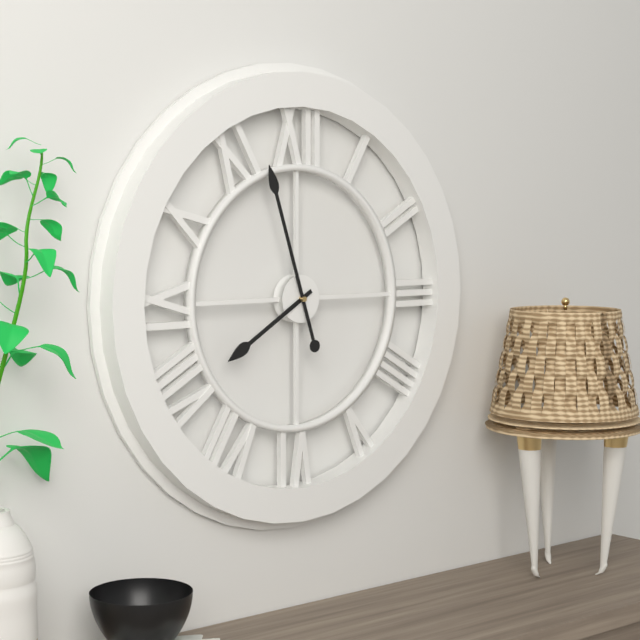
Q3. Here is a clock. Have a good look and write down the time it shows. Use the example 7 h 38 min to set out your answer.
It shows 7 h 57 min
